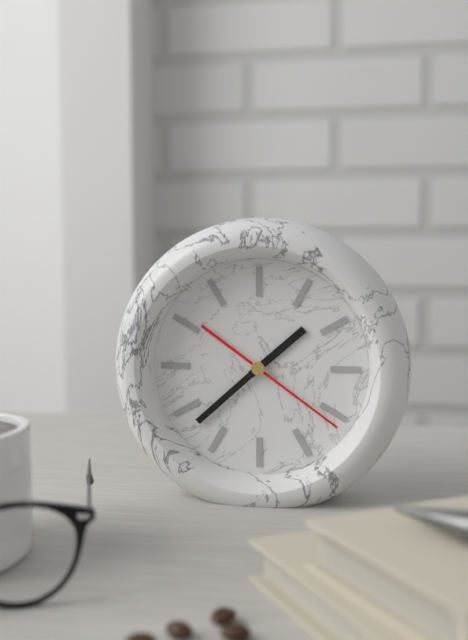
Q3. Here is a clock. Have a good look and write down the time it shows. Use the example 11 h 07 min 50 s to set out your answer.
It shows 1 h 38 min 21 s
